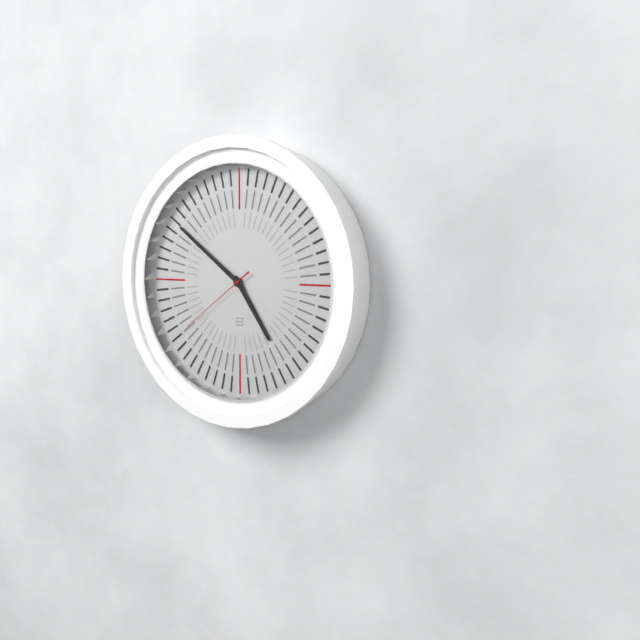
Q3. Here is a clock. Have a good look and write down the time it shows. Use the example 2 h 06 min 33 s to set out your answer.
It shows 4 h 51 min 39 s
